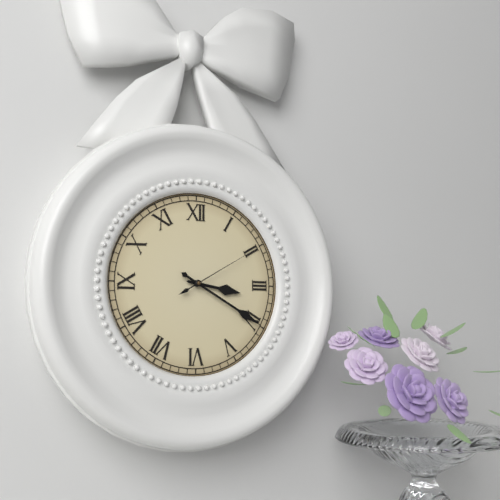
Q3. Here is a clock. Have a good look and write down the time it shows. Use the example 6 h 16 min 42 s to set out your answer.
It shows 3 h 20 min 10 s
